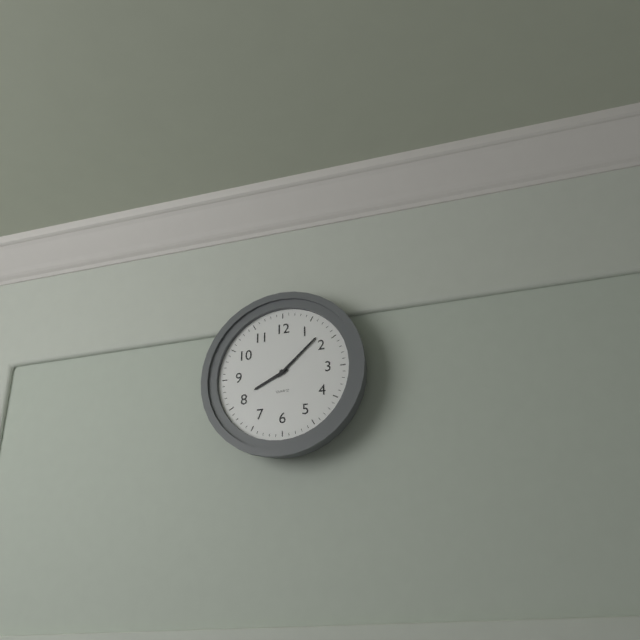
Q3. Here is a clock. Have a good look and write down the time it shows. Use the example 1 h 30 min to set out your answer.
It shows 8 h 08 min
